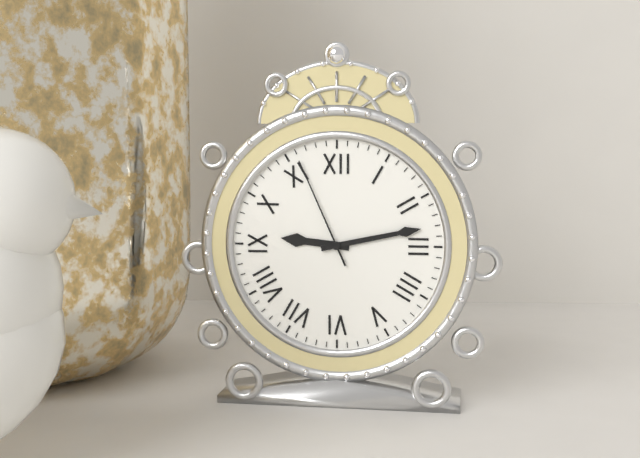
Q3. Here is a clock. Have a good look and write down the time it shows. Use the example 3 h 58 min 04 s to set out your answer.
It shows 9 h 13 min 56 s
